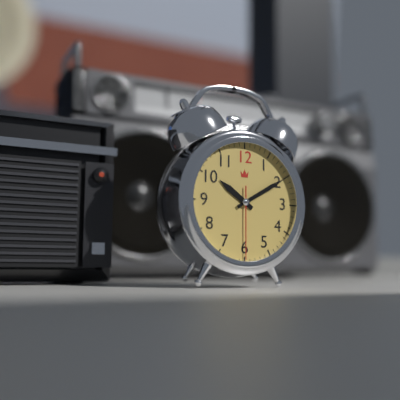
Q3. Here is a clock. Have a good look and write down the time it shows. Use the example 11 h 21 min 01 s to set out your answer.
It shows 10 h 10 min 30 s
